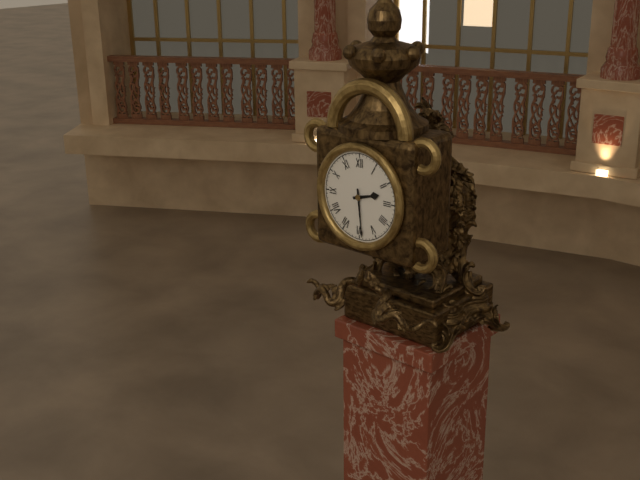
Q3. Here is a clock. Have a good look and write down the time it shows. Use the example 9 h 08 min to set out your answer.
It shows 2 h 29 min
